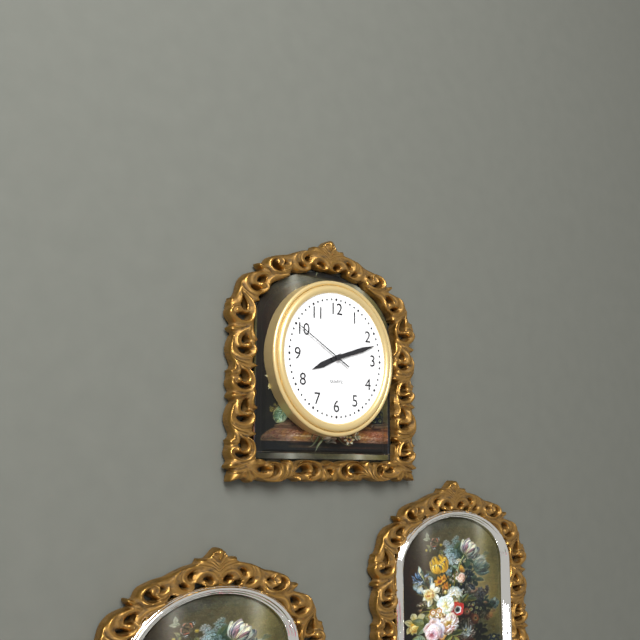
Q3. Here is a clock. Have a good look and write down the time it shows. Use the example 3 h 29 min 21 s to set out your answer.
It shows 8 h 12 min 50 s
